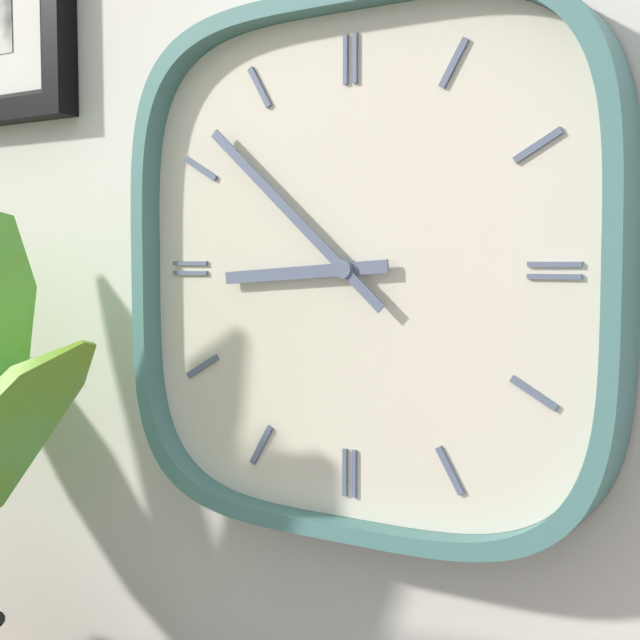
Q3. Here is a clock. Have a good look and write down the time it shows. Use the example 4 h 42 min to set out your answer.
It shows 8 h 52 min
